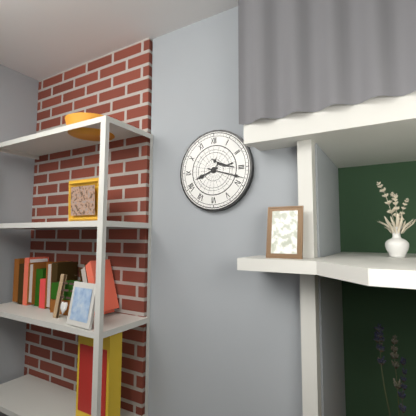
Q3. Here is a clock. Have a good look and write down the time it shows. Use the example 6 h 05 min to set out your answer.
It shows 8 h 18 min
